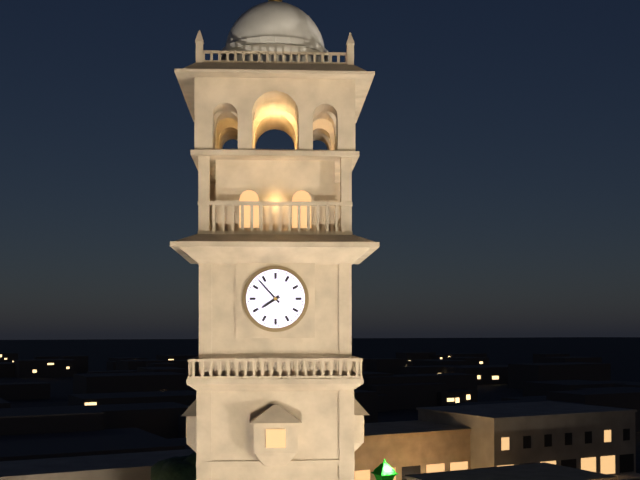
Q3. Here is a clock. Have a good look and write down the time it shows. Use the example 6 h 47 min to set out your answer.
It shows 7 h 53 min
